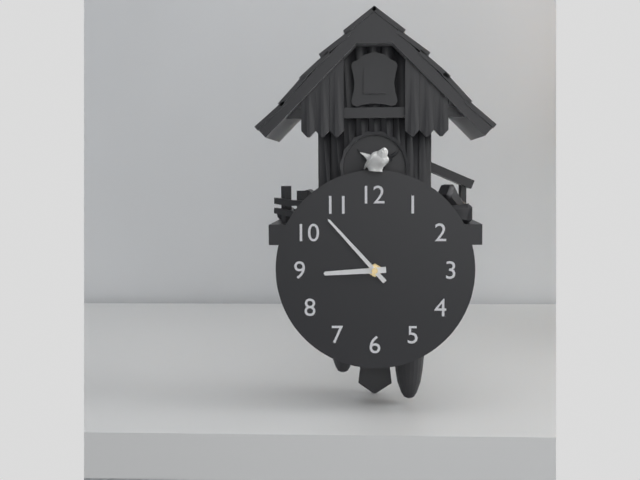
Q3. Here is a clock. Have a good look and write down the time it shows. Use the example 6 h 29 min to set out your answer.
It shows 8 h 53 min
